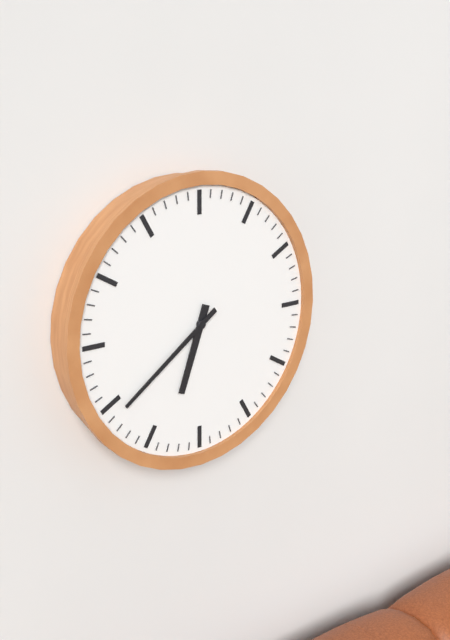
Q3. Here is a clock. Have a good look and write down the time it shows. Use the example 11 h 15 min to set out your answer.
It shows 6 h 39 min
